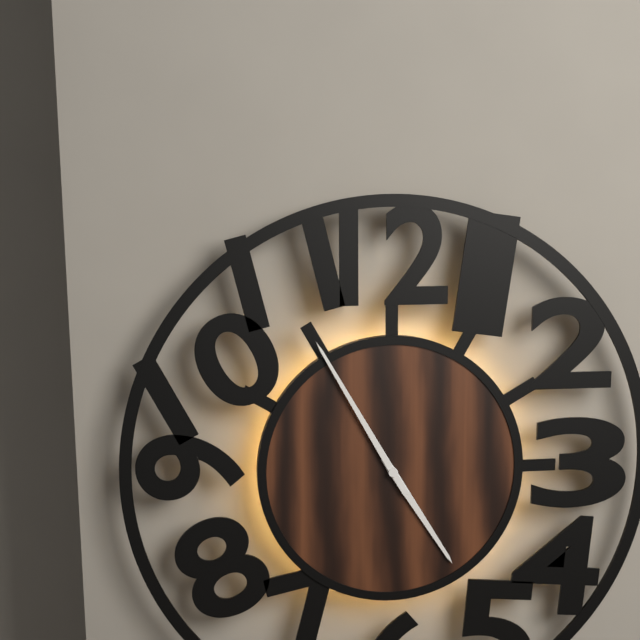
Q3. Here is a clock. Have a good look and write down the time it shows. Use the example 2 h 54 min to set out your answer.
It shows 4 h 55 min
